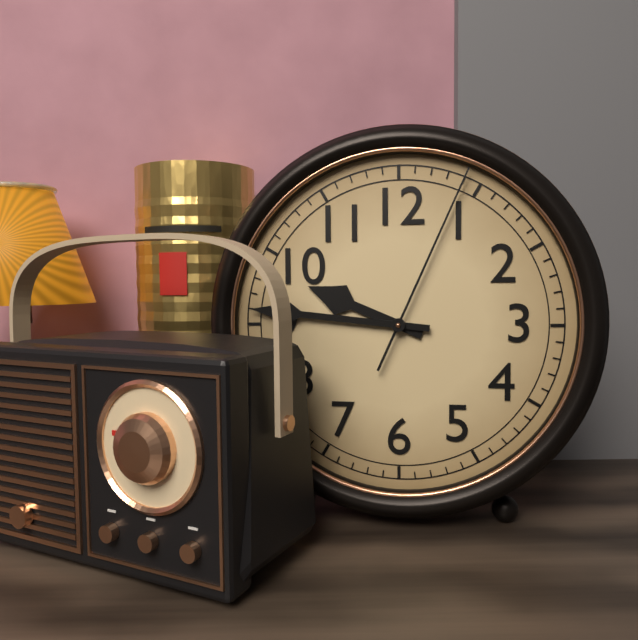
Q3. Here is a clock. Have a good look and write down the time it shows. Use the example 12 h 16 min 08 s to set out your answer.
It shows 9 h 46 min 04 s
